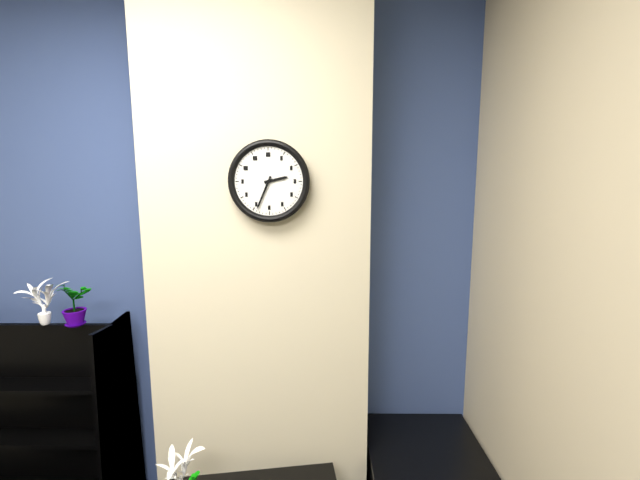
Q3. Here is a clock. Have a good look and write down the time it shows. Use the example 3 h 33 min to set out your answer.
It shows 2 h 34 min
